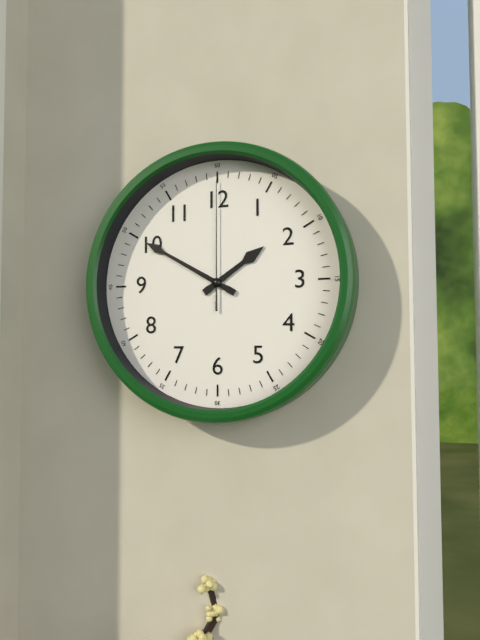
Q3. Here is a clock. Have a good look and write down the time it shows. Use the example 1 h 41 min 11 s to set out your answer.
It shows 1 h 50 min 00 s
